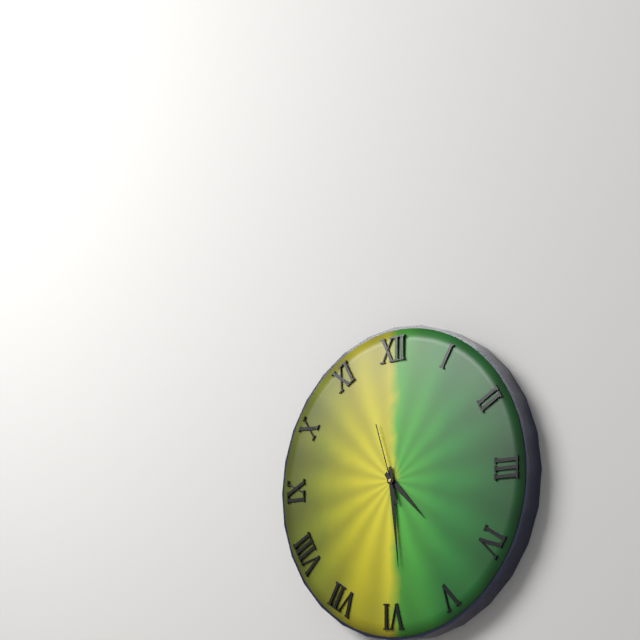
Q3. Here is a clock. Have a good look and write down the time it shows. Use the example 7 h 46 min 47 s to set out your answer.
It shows 4 h 29 min 57 s
